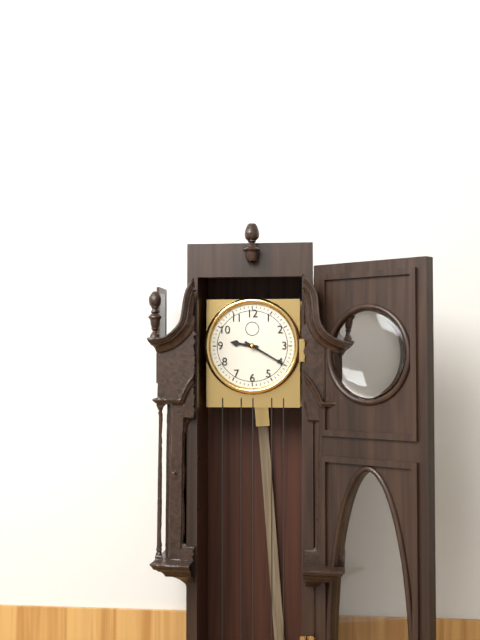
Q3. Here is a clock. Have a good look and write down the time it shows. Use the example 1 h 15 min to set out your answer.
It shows 9 h 20 min
